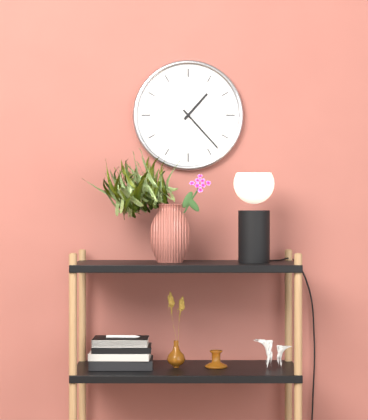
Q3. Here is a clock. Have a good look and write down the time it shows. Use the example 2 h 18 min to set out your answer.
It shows 1 h 23 min
